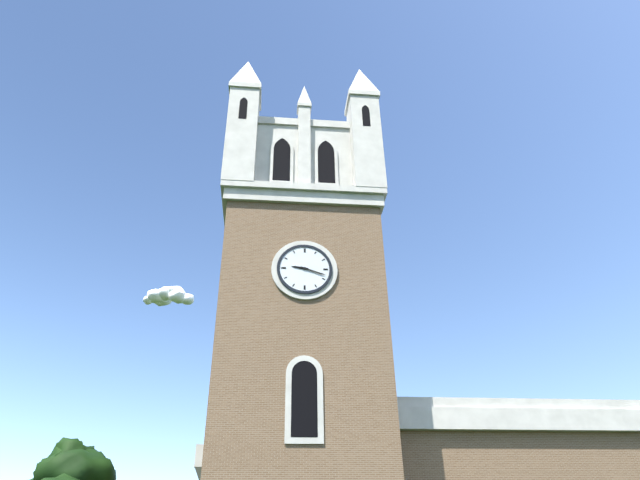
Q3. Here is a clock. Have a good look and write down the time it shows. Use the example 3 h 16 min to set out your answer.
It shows 9 h 18 min
